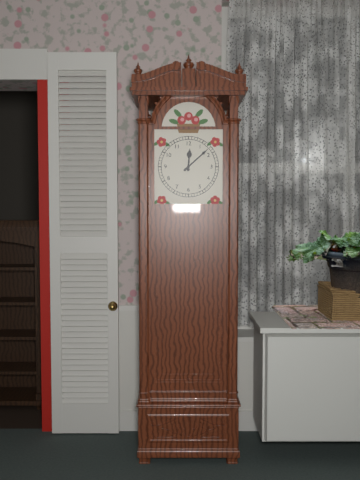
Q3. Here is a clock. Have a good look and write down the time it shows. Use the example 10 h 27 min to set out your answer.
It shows 12 h 08 min
